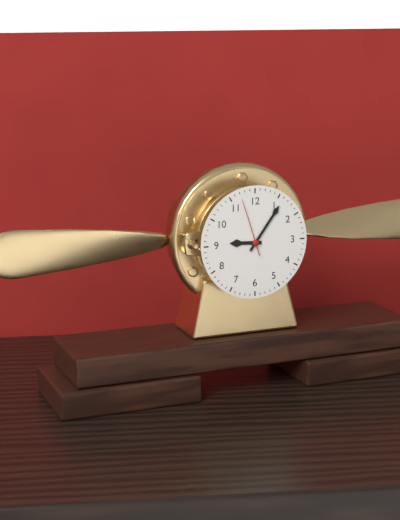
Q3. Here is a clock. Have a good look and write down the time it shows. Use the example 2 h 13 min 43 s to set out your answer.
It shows 9 h 06 min 57 s
